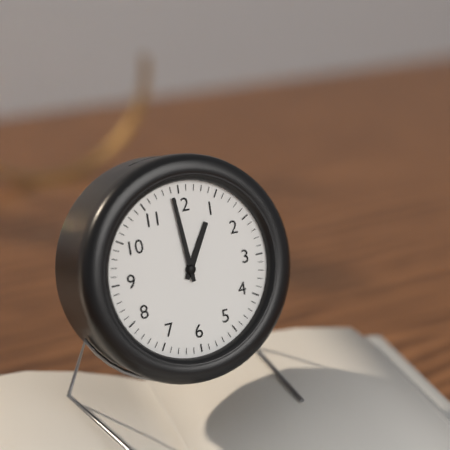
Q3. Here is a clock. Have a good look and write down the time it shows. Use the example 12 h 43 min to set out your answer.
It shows 12 h 59 min
